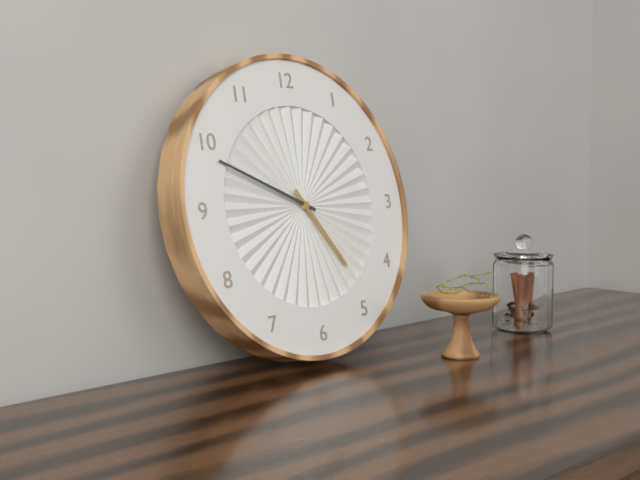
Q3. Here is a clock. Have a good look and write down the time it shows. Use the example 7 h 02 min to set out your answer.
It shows 4 h 49 min
